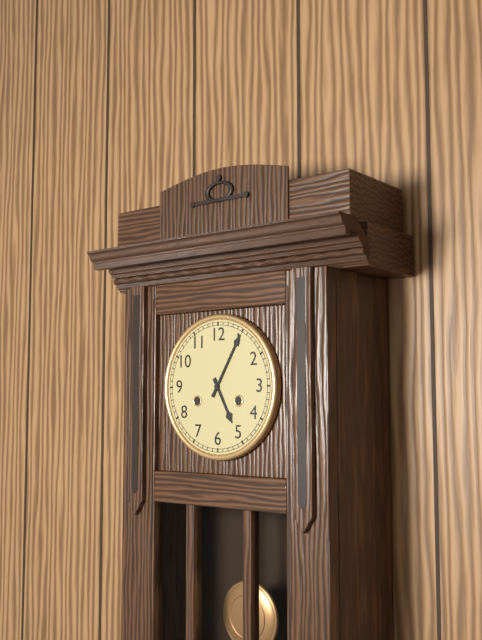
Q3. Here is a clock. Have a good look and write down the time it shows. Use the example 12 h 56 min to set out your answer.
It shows 5 h 05 min
